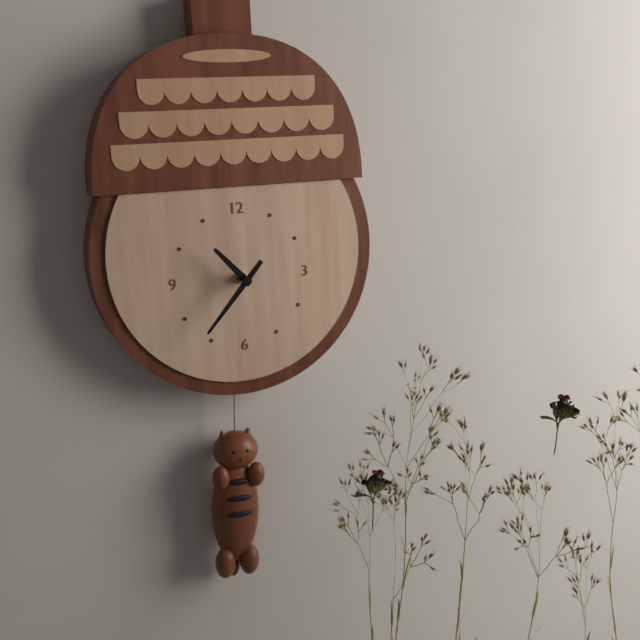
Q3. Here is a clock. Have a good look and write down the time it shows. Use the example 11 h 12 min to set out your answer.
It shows 10 h 37 min
